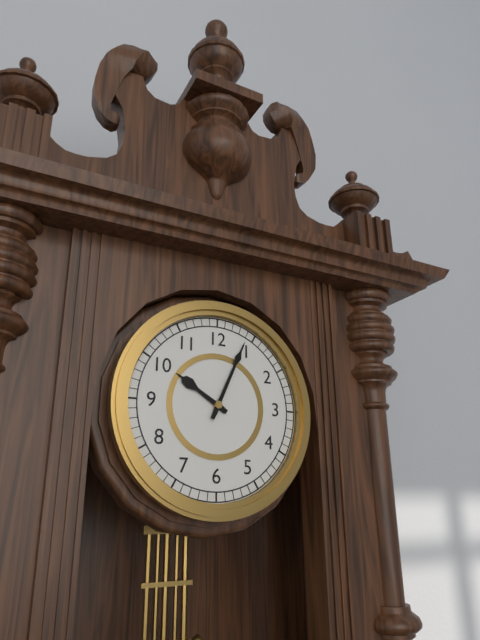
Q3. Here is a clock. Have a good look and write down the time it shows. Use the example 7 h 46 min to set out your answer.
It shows 10 h 04 min
